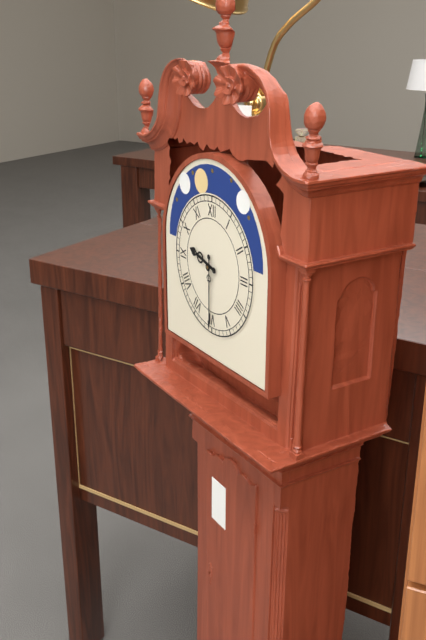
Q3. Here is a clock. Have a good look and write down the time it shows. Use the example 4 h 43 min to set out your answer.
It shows 9 h 30 min
